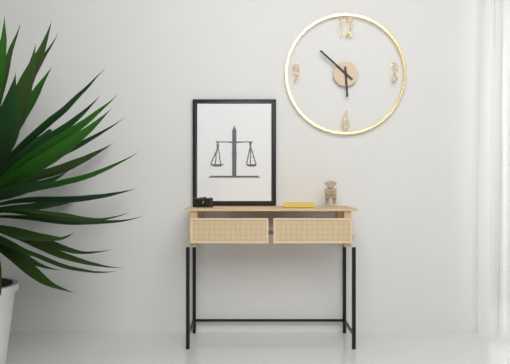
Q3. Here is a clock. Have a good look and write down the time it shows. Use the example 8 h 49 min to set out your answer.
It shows 5 h 52 min
